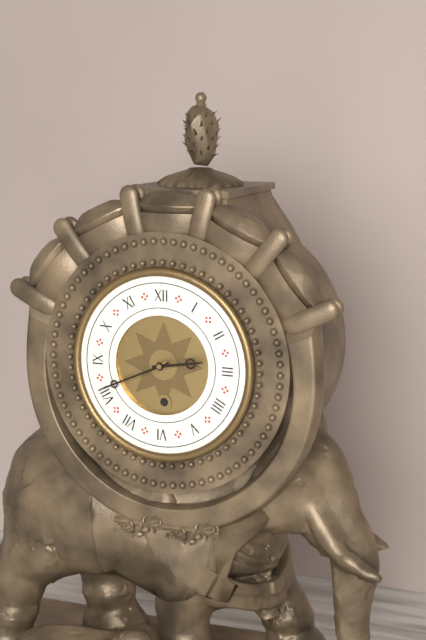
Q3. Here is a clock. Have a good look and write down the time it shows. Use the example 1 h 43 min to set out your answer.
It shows 2 h 41 min
